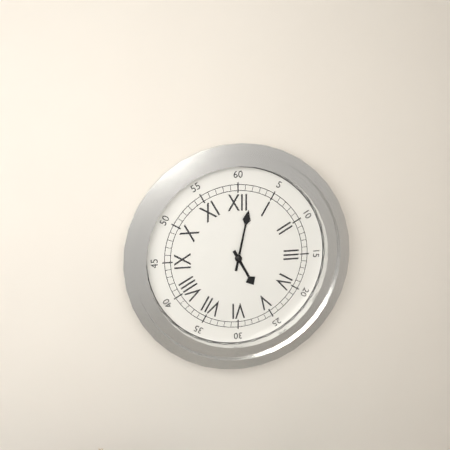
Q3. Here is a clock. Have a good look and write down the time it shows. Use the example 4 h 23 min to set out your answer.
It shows 5 h 02 min
